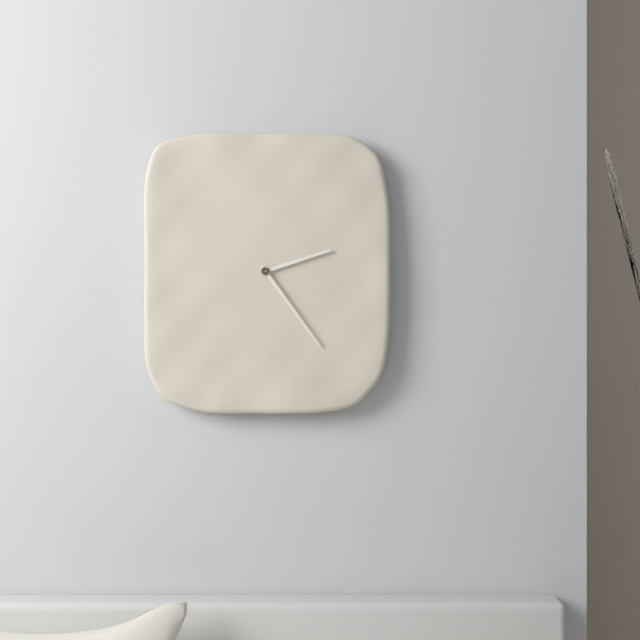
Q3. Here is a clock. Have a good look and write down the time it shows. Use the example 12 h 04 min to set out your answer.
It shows 2 h 24 min
